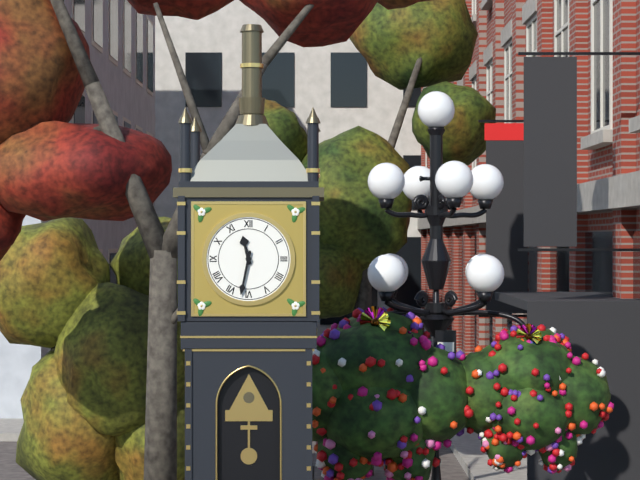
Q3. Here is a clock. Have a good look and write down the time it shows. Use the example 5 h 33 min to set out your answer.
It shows 11 h 32 min
